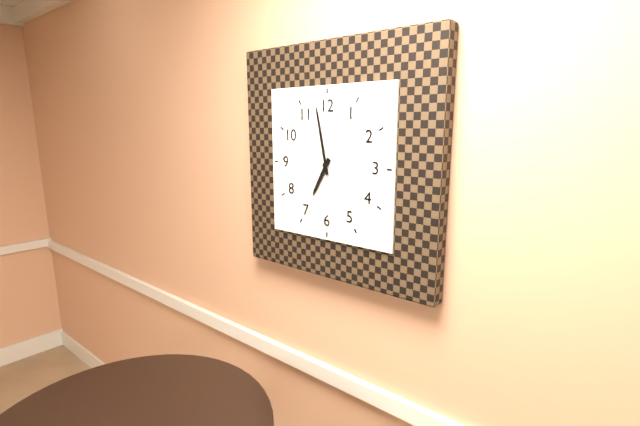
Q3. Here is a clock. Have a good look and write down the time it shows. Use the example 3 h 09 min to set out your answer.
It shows 6 h 58 min
